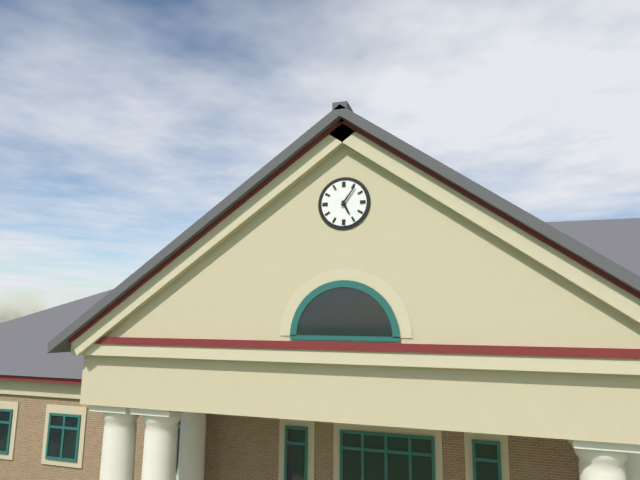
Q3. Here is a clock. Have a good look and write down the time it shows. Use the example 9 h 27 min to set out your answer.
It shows 5 h 06 min
